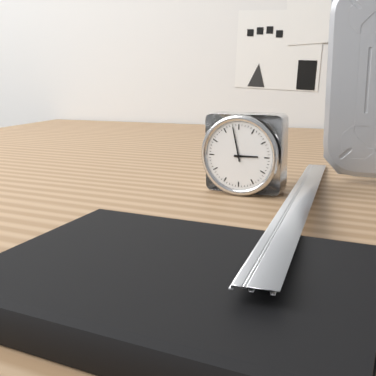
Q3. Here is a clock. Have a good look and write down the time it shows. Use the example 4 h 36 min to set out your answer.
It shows 2 h 58 min
